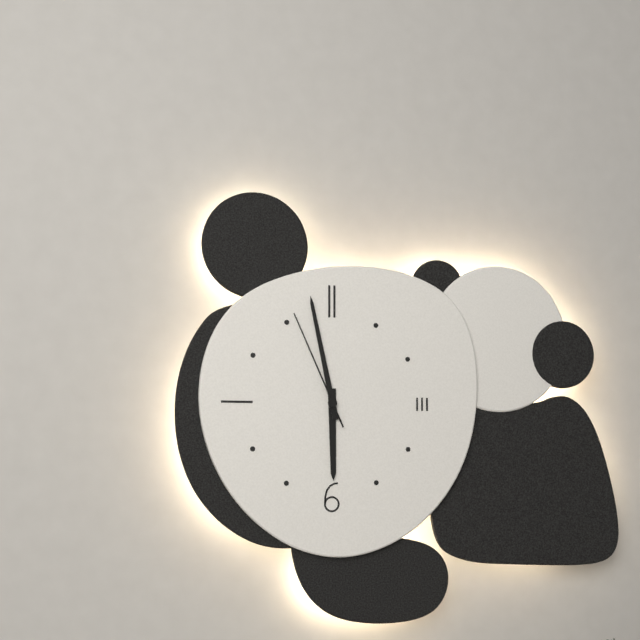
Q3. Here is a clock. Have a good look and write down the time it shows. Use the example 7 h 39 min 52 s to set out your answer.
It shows 5 h 58 min 56 s
